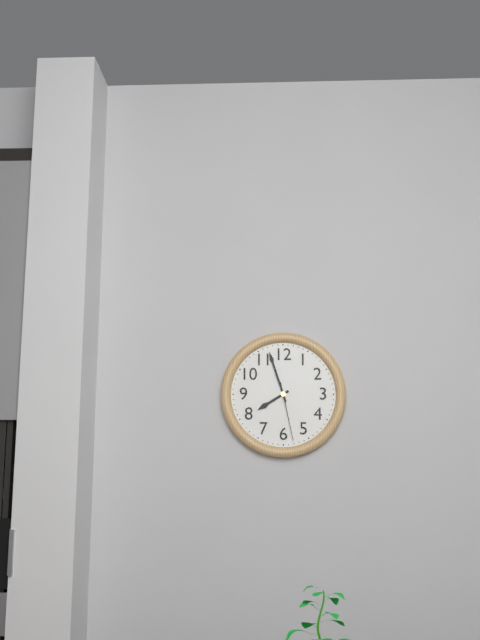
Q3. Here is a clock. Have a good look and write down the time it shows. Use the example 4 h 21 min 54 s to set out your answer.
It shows 7 h 57 min 28 s
